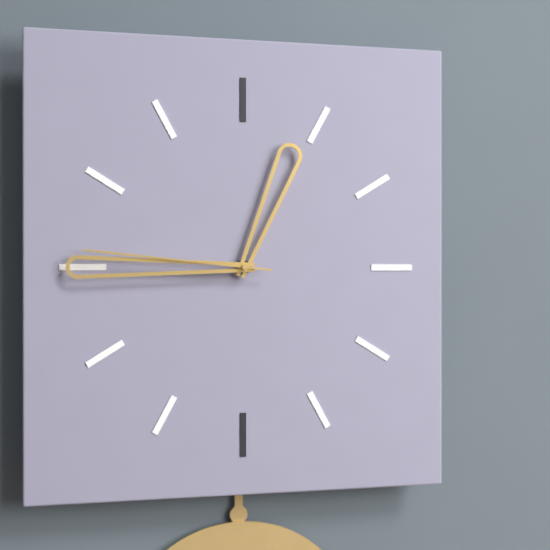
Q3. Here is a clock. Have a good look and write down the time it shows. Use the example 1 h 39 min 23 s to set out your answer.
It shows 12 h 45 min 46 s
